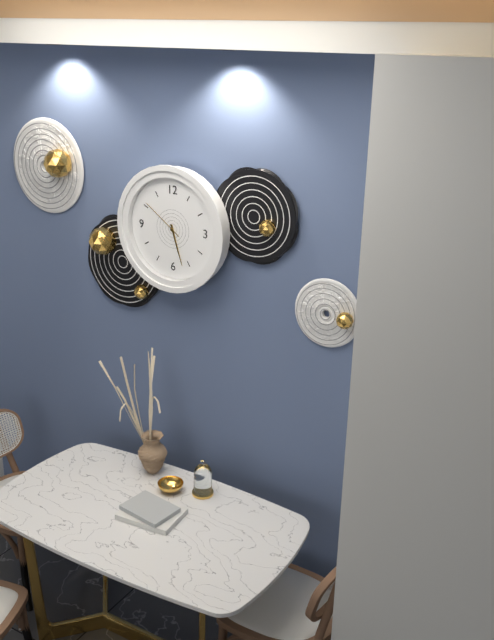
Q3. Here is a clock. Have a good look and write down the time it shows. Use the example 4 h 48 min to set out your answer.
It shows 5 h 27 min
